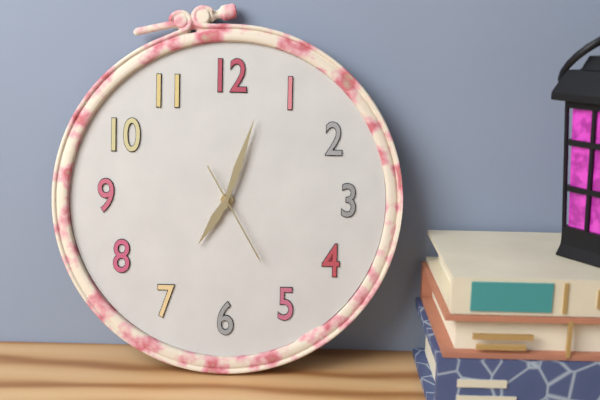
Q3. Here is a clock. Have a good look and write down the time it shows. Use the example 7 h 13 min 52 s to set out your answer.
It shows 7 h 03 min 25 s
